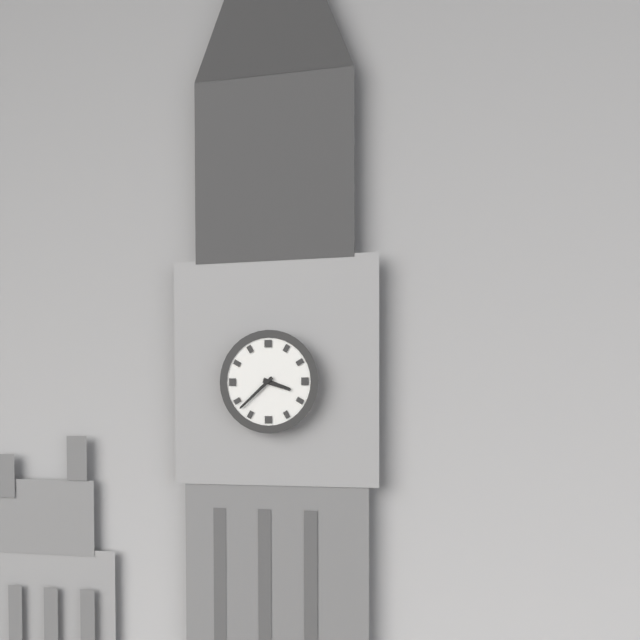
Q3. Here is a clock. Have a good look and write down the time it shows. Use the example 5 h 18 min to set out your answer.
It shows 3 h 38 min
